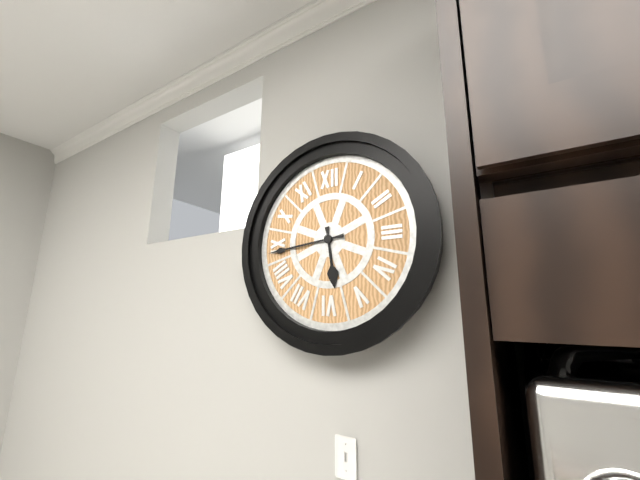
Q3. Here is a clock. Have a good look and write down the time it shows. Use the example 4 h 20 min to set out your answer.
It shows 5 h 44 min
